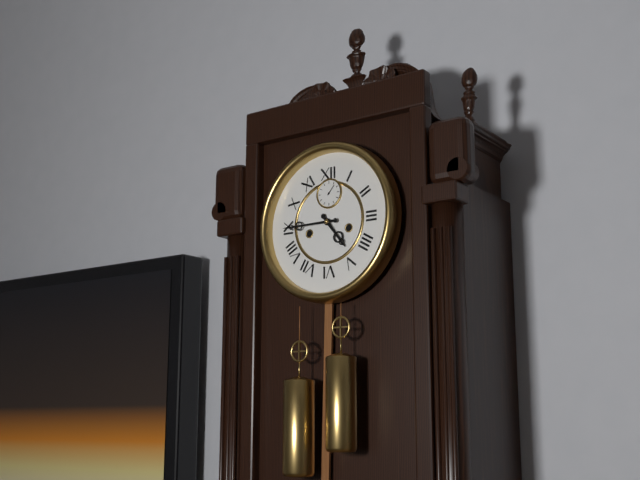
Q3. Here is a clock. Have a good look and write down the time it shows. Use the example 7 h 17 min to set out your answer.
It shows 4 h 45 min
